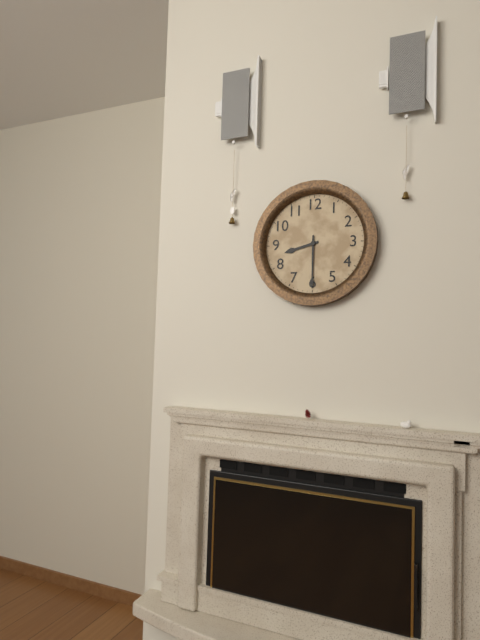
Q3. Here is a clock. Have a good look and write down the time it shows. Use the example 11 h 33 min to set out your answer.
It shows 8 h 30 min
